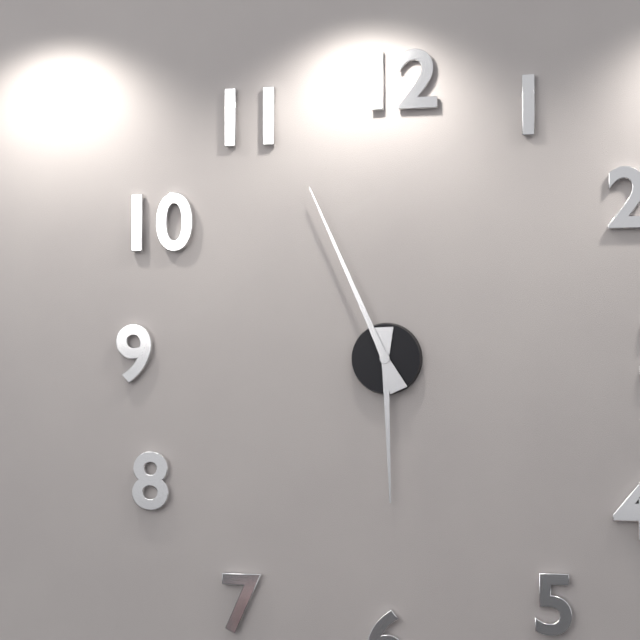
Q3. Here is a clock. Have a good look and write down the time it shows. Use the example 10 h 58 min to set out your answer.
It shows 5 h 56 min
